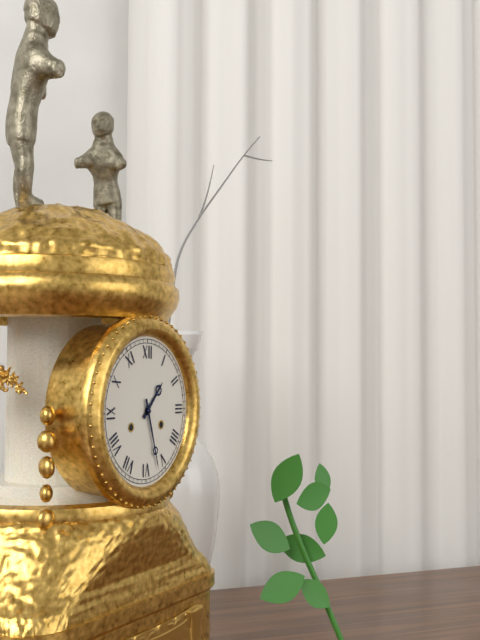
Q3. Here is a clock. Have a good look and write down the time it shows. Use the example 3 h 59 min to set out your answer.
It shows 1 h 27 min
